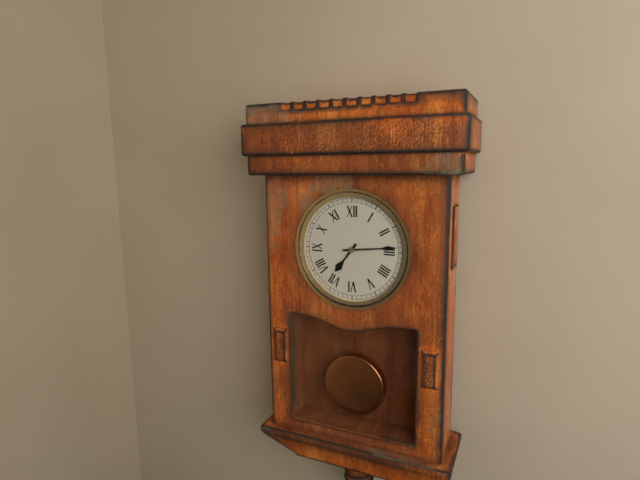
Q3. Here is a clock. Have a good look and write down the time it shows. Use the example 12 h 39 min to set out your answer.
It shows 7 h 14 min
